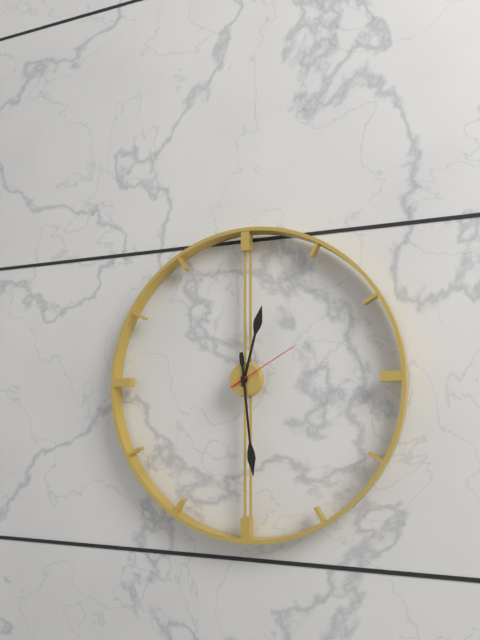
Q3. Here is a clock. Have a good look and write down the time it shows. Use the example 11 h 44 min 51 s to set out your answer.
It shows 12 h 29 min 10 s
